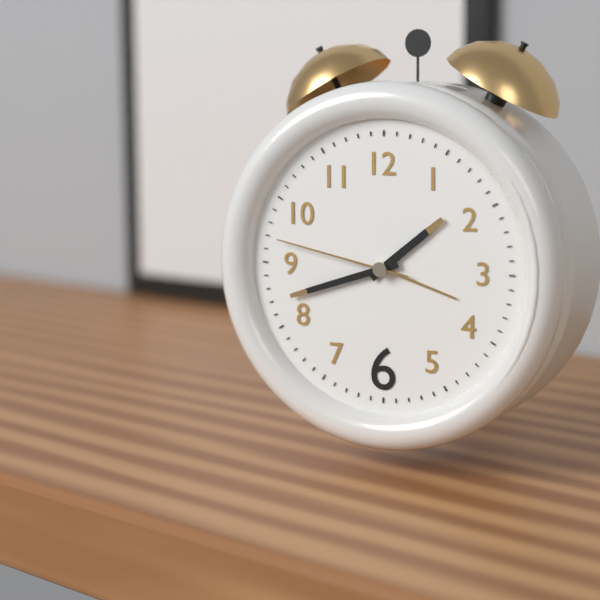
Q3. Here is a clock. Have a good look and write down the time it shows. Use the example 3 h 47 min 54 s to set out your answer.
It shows 1 h 42 min 47 s
